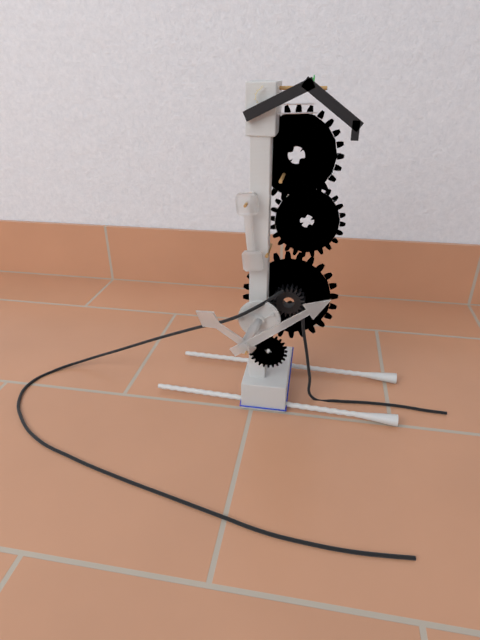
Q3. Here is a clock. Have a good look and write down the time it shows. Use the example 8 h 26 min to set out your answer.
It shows 10 h 09 min
